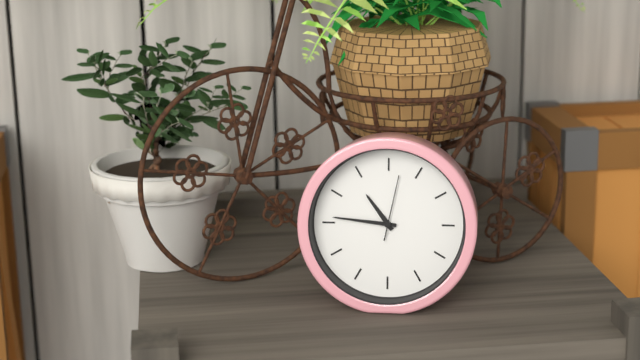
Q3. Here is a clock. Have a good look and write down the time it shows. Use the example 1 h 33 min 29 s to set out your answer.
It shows 10 h 46 min 02 s
